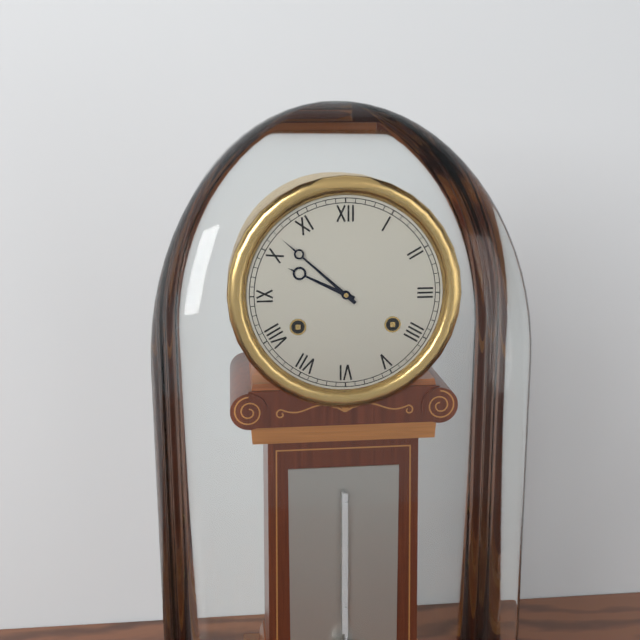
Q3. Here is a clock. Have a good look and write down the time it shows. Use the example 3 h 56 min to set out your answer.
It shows 9 h 52 min
